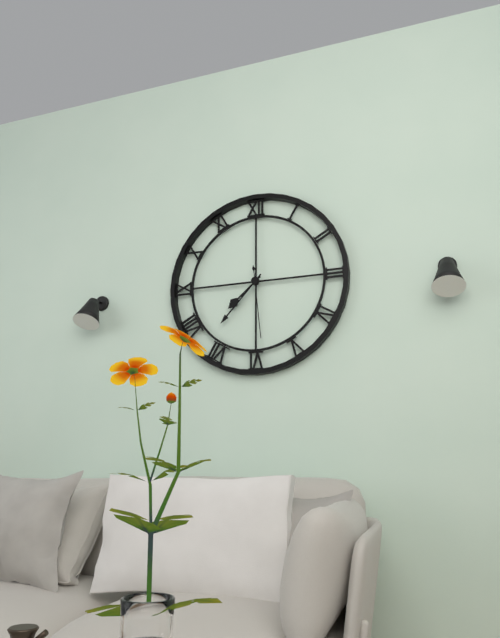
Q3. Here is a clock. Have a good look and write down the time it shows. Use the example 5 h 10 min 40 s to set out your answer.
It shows 7 h 37 min 29 s
